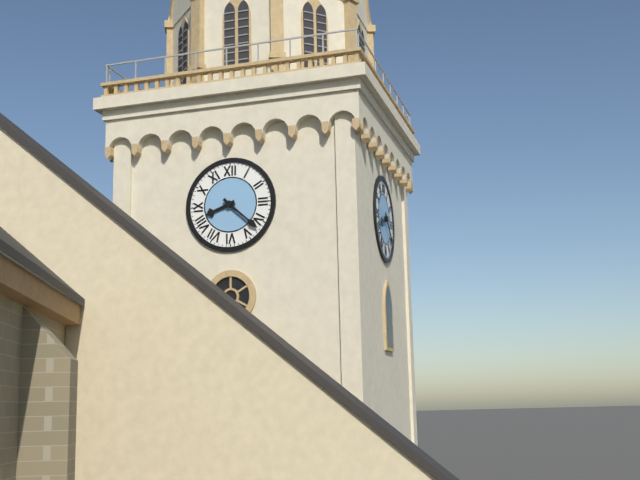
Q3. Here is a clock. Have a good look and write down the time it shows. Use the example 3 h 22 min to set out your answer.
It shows 8 h 22 min
